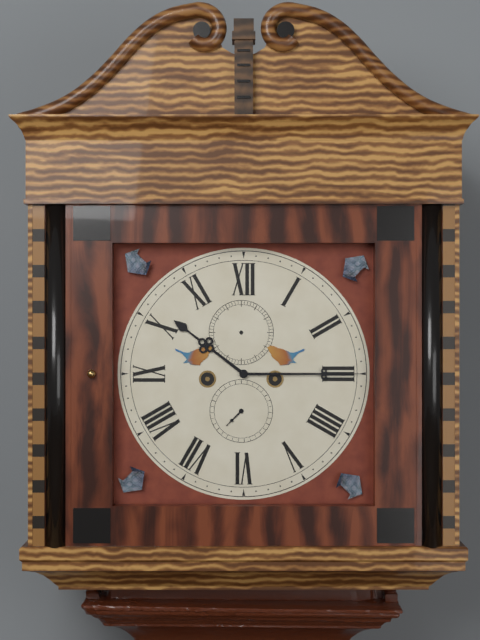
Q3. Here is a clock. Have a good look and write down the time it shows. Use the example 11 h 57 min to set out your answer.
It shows 10 h 15 min
